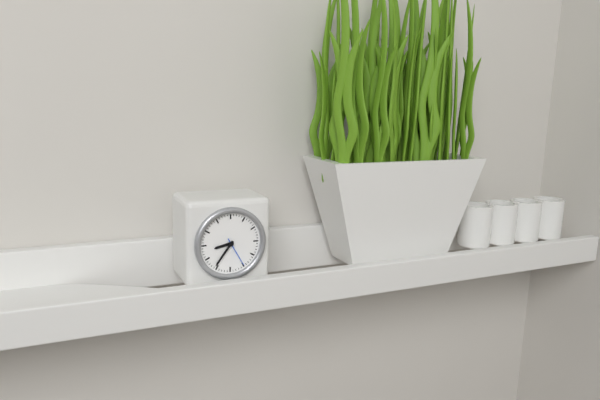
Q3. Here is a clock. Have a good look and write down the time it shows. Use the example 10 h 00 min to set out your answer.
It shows 8 h 36 min
